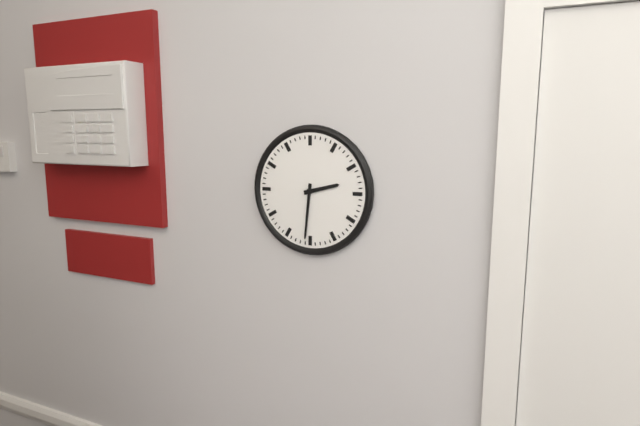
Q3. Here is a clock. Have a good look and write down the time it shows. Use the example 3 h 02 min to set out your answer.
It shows 2 h 31 min
